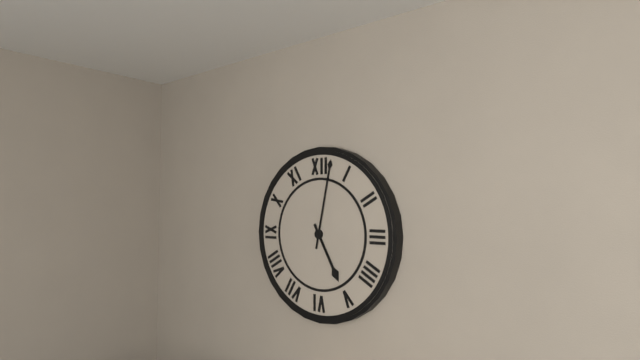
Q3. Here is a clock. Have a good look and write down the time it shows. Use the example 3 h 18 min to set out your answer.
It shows 5 h 02 min
